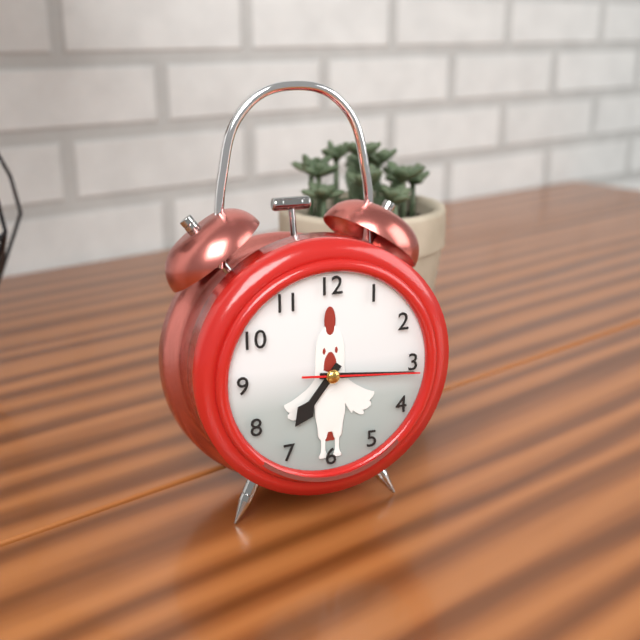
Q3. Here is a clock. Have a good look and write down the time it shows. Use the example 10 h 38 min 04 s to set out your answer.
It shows 7 h 16 min 16 s
